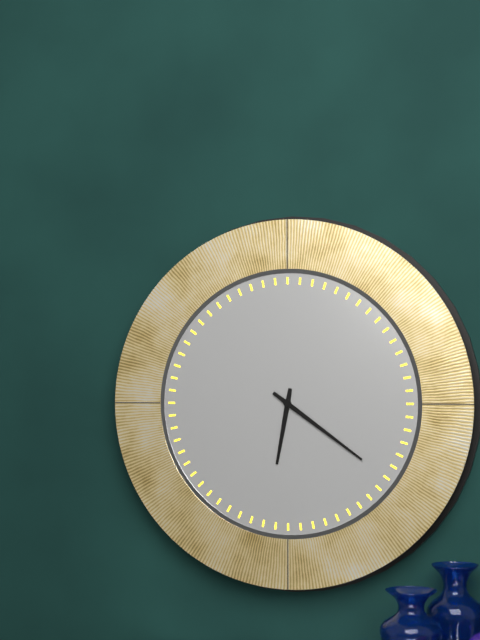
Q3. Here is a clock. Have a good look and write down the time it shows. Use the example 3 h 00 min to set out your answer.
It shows 6 h 21 min
